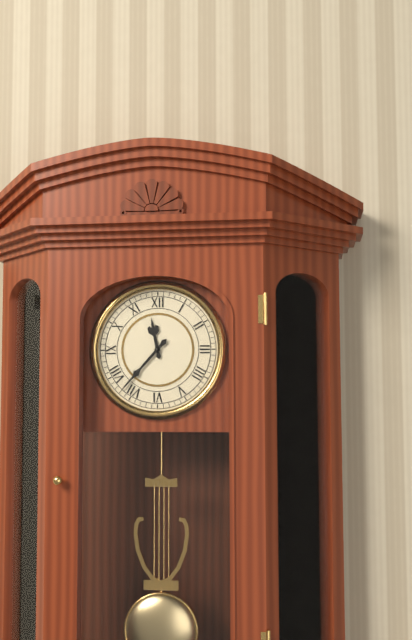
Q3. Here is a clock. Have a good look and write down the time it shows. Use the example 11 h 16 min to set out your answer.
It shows 11 h 37 min
